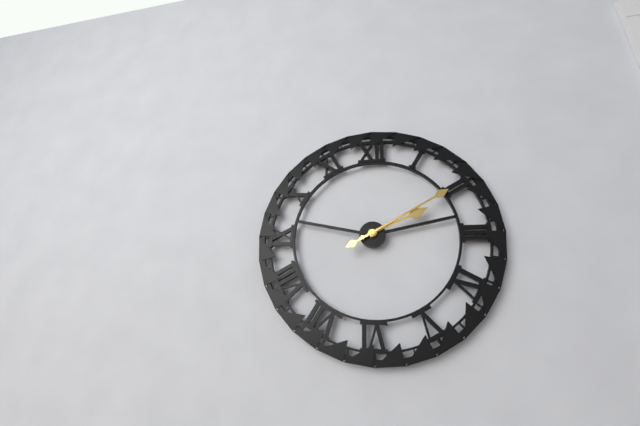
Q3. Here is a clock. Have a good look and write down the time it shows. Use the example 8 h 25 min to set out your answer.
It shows 2 h 10 min
